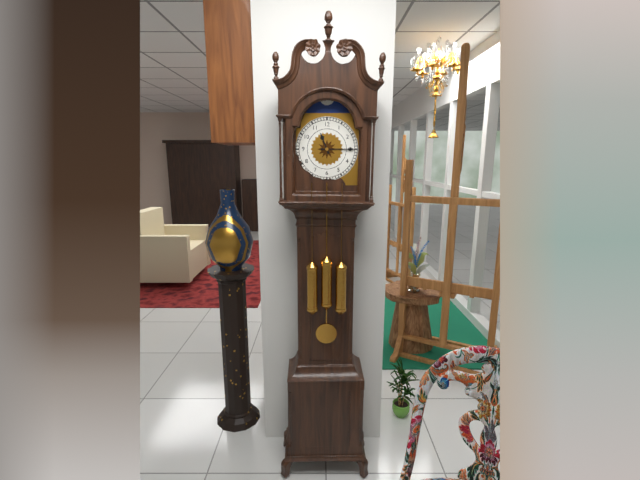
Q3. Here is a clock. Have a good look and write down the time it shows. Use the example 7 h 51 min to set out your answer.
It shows 11 h 15 min
